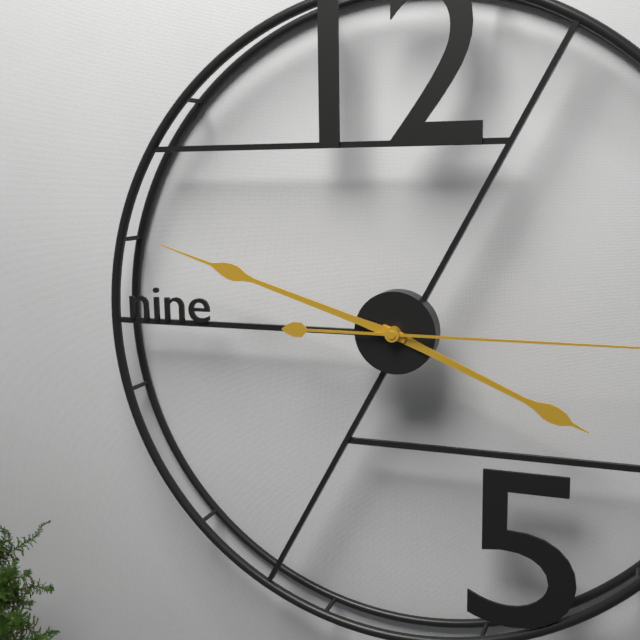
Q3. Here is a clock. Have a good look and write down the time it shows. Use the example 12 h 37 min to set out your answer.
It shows 3 h 48 min
